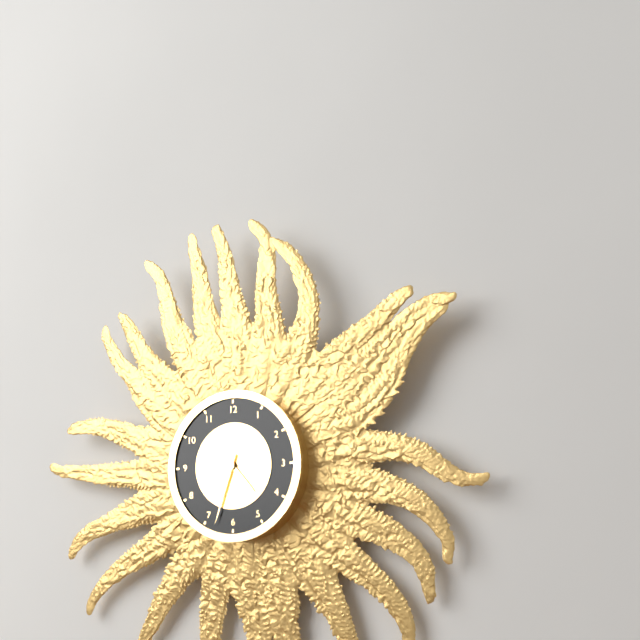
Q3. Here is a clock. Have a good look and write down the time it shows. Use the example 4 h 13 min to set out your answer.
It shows 4 h 33 min
